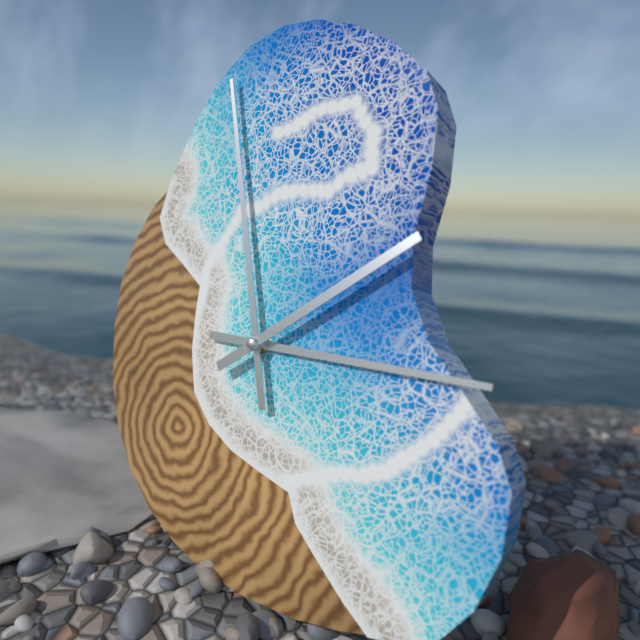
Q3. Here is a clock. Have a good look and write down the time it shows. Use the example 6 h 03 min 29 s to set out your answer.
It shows 2 h 57 min 09 s
